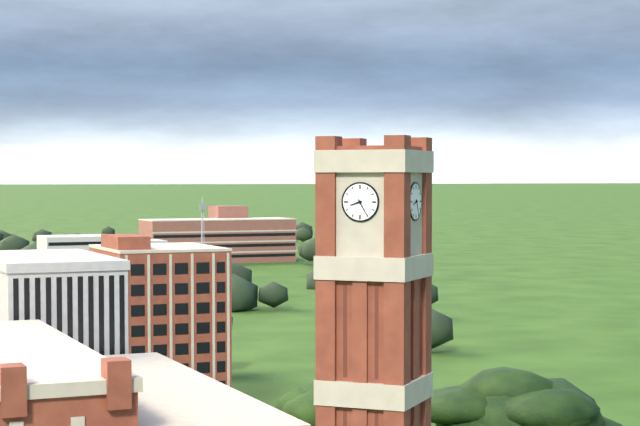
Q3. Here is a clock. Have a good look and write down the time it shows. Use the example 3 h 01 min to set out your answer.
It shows 8 h 25 min
